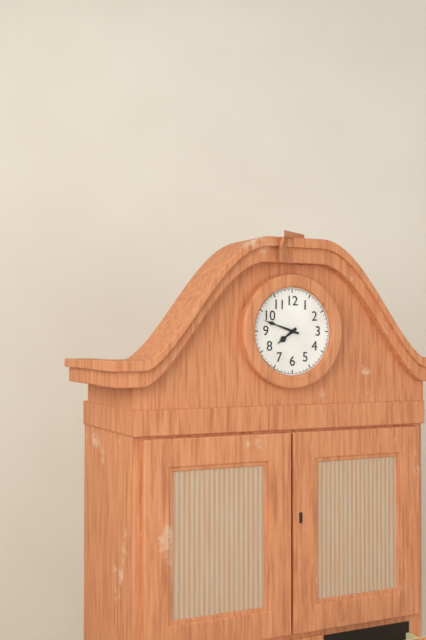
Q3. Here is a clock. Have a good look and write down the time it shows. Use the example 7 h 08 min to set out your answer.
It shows 7 h 48 min
